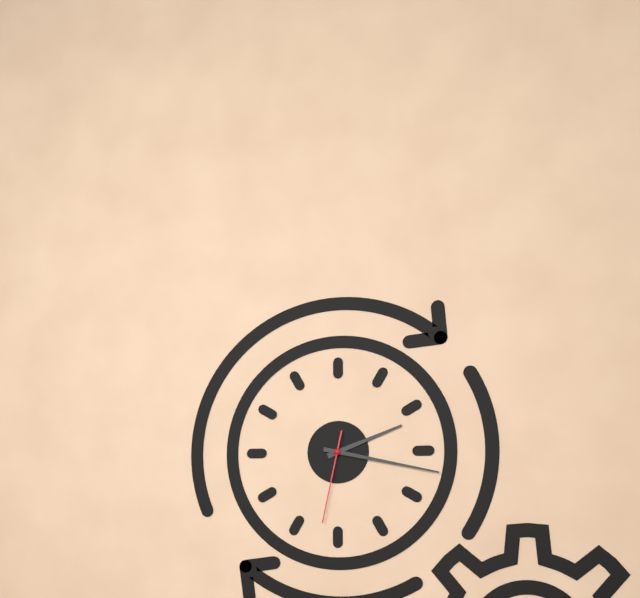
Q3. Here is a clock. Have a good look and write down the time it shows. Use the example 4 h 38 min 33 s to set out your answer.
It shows 2 h 17 min 32 s
